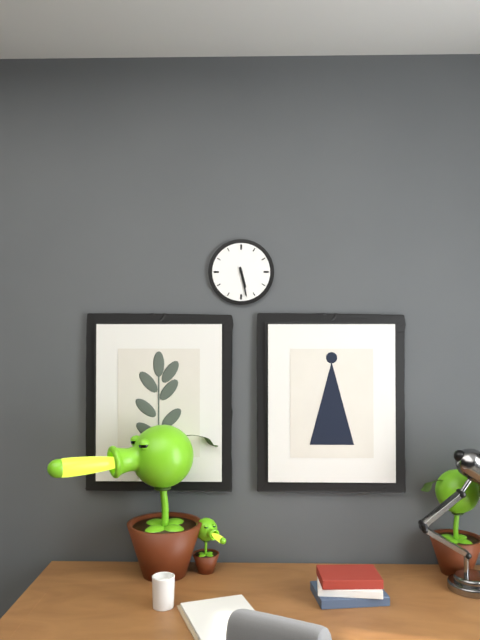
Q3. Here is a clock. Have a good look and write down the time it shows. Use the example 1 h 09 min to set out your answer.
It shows 5 h 28 min
